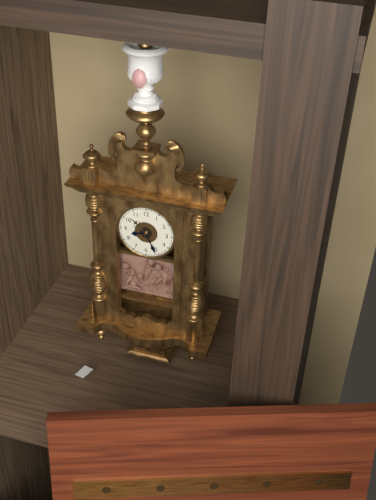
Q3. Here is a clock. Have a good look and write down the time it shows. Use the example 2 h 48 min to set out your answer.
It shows 8 h 26 min
